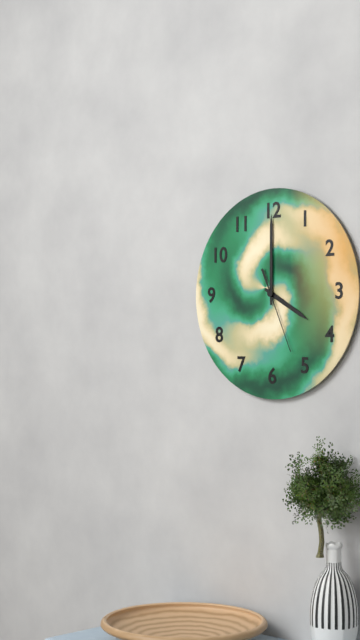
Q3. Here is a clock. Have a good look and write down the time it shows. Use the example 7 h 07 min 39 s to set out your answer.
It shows 4 h 00 min 26 s
